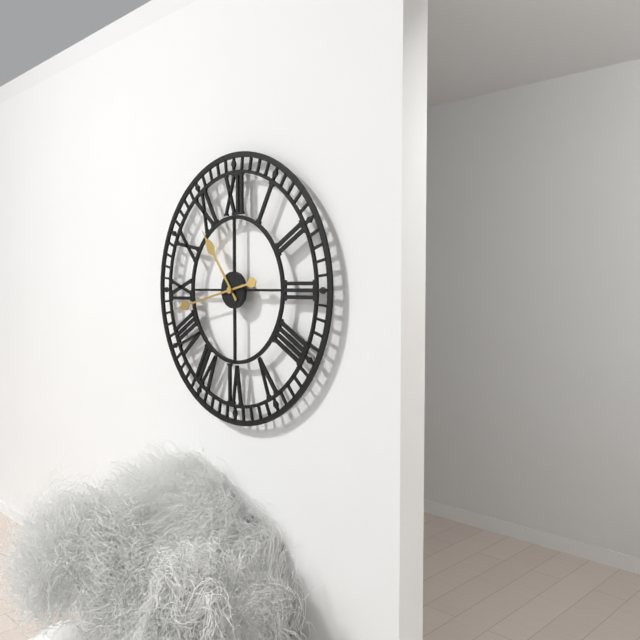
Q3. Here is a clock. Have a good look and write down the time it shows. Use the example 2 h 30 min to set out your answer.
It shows 10 h 43 min
